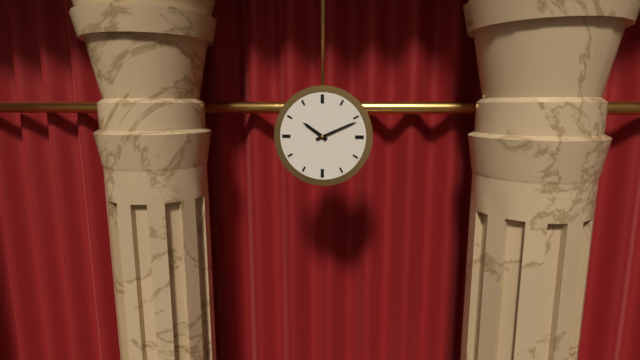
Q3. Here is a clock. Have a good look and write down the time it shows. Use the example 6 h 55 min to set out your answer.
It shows 10 h 11 min
